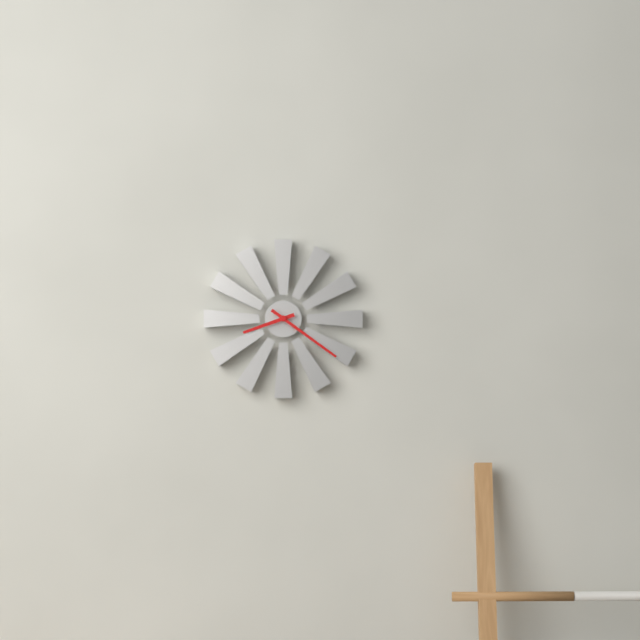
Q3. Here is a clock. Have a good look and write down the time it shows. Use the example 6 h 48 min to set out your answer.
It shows 8 h 21 min
